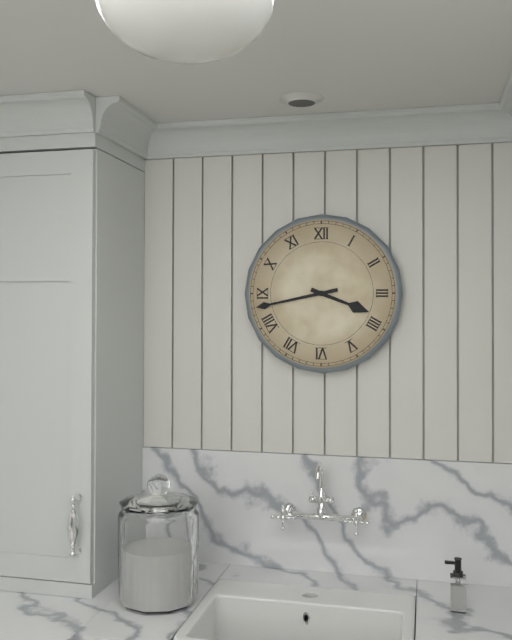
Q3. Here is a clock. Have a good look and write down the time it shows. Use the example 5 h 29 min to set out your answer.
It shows 3 h 43 min
